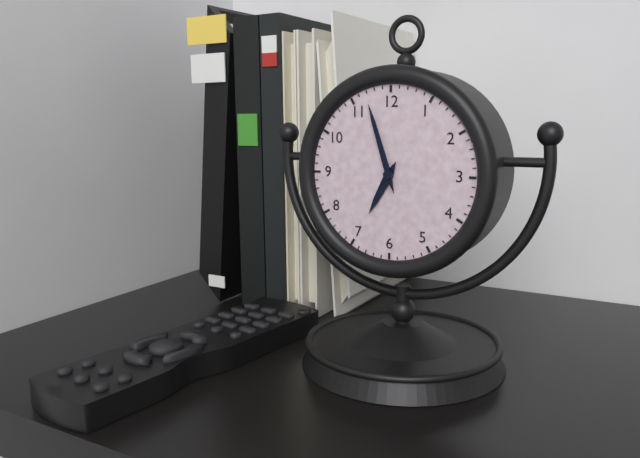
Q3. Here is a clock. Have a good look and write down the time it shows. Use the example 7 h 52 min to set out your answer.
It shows 6 h 57 min
